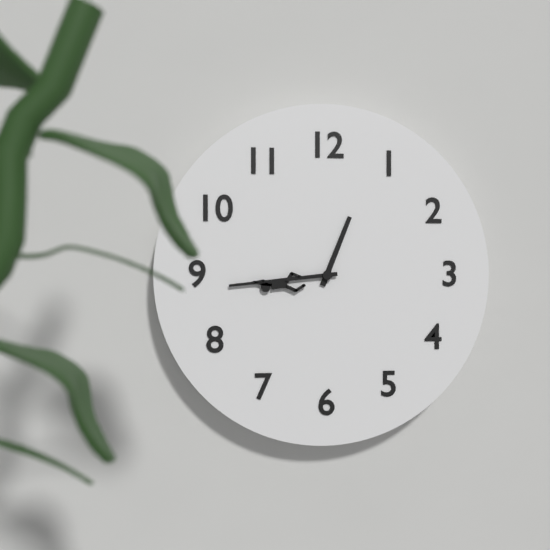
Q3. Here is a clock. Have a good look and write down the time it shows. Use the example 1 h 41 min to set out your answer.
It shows 12 h 44 min
